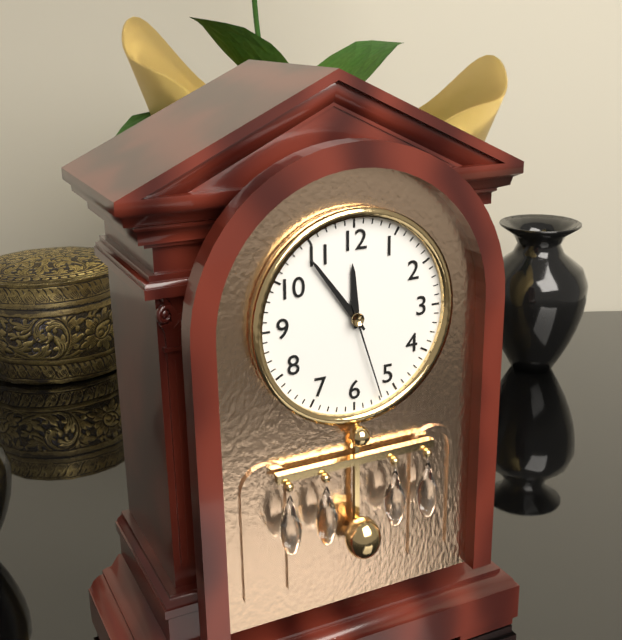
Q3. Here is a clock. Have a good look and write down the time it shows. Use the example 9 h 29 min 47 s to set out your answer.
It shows 11 h 54 min 27 s
